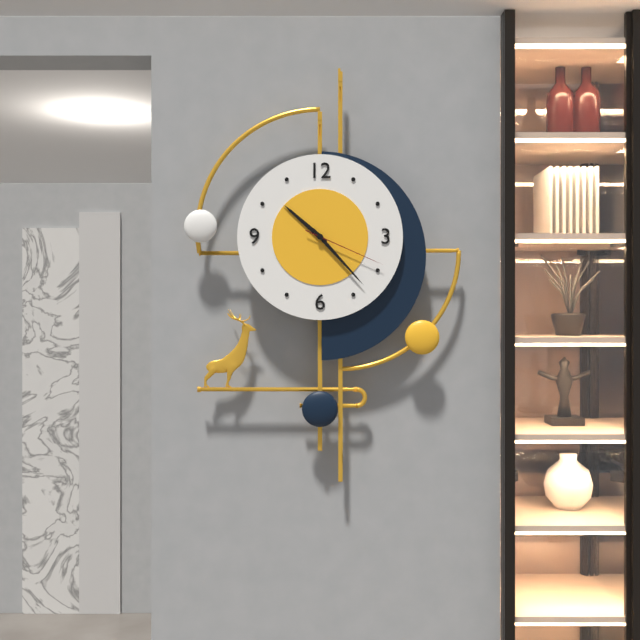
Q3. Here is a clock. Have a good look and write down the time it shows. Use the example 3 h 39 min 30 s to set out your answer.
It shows 10 h 23 min 19 s
